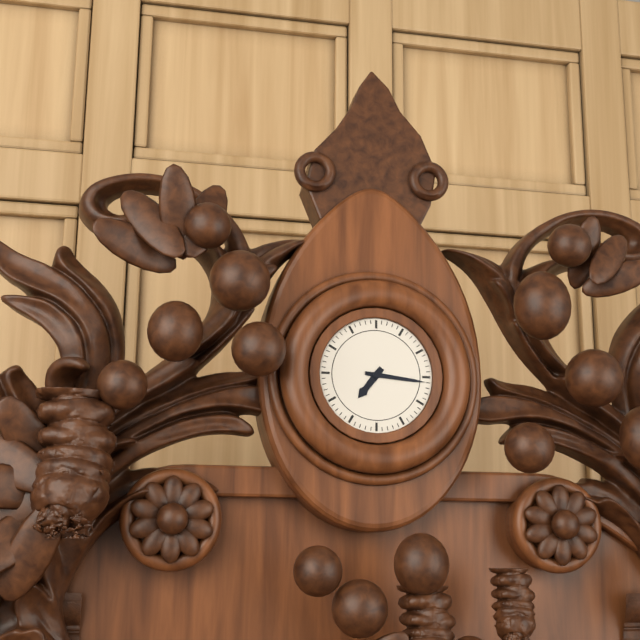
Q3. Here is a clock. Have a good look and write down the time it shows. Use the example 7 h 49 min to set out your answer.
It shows 7 h 16 min
